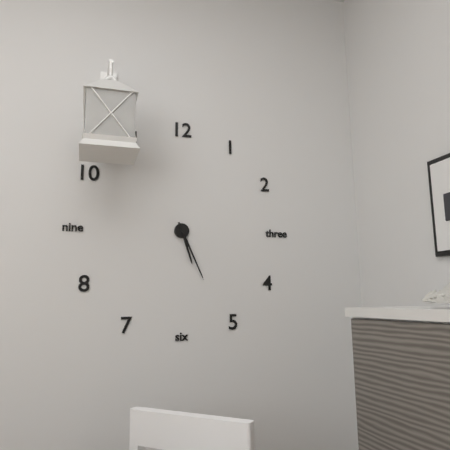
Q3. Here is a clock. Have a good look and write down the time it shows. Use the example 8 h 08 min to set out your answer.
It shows 5 h 26 min
